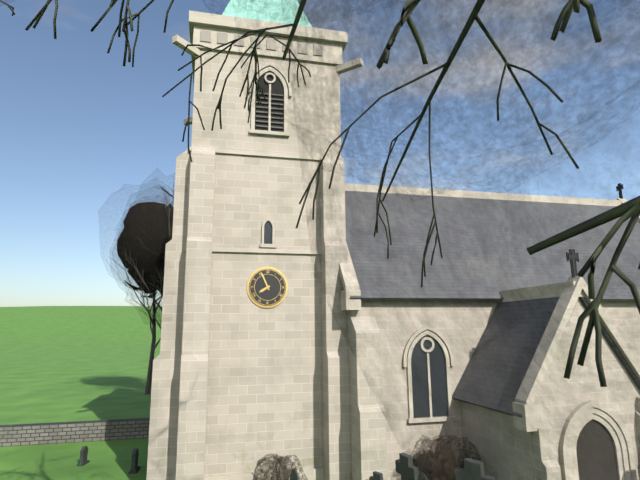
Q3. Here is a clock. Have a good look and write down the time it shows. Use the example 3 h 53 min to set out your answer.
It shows 7 h 56 min
